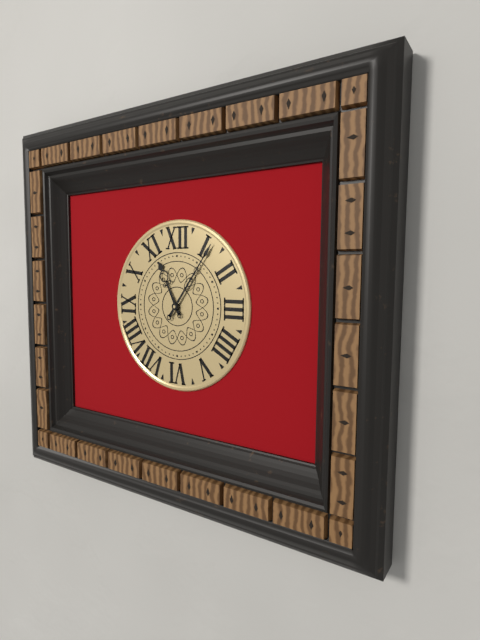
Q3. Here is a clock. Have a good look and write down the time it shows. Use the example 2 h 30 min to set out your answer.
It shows 11 h 06 min
